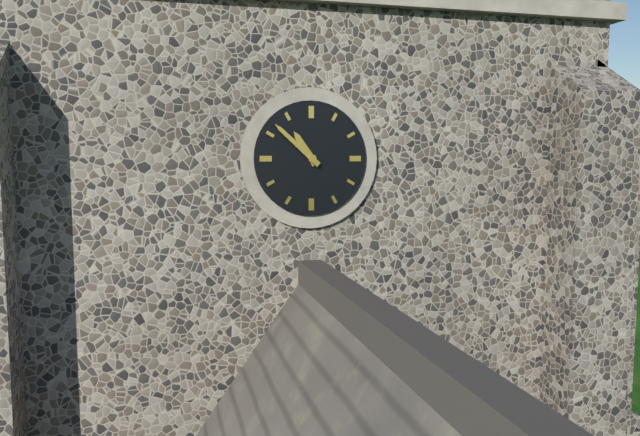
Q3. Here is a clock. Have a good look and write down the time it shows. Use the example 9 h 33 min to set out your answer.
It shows 10 h 52 min
